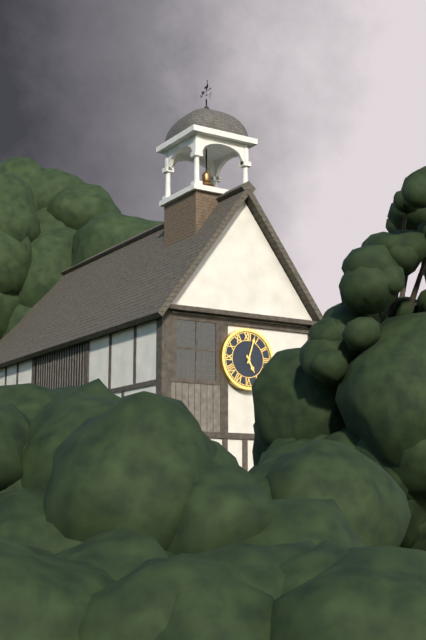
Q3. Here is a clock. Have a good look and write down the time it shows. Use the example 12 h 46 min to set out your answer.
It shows 5 h 03 min
